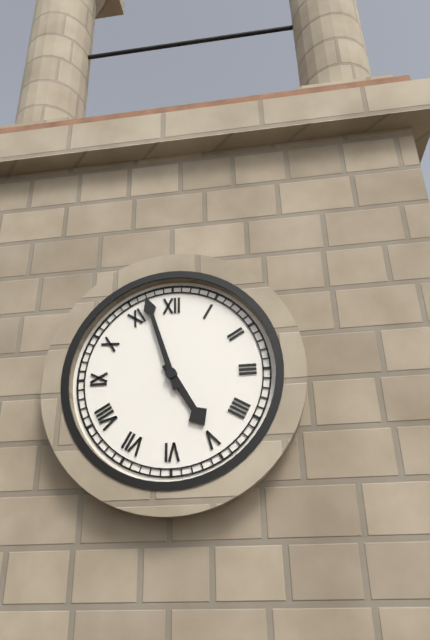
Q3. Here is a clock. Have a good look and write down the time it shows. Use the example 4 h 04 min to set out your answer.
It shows 4 h 57 min
